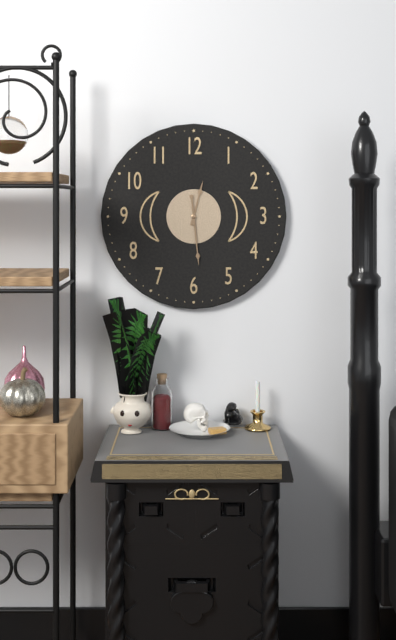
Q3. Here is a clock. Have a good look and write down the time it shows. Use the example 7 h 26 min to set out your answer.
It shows 12 h 29 min
